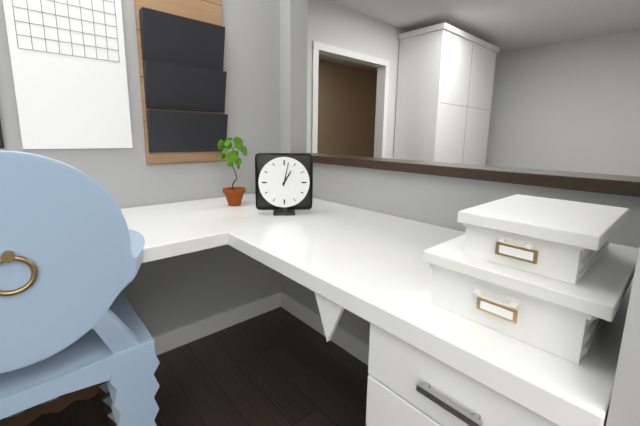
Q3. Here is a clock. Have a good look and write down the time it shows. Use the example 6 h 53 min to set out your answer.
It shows 1 h 02 min
